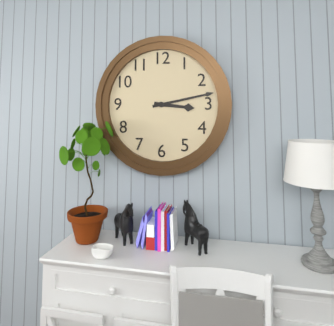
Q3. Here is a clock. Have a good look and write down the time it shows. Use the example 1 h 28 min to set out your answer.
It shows 3 h 13 min
